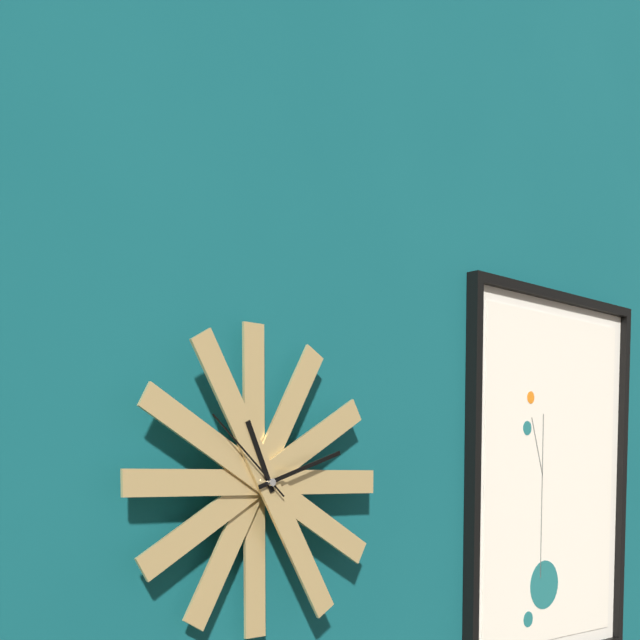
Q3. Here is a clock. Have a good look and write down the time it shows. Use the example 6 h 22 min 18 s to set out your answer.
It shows 11 h 12 min 52 s
